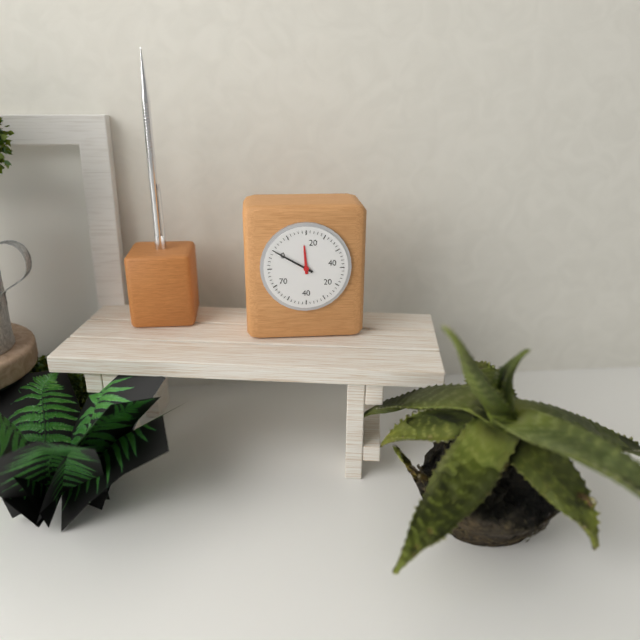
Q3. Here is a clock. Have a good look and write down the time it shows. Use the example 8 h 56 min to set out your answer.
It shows 11 h 50 min
